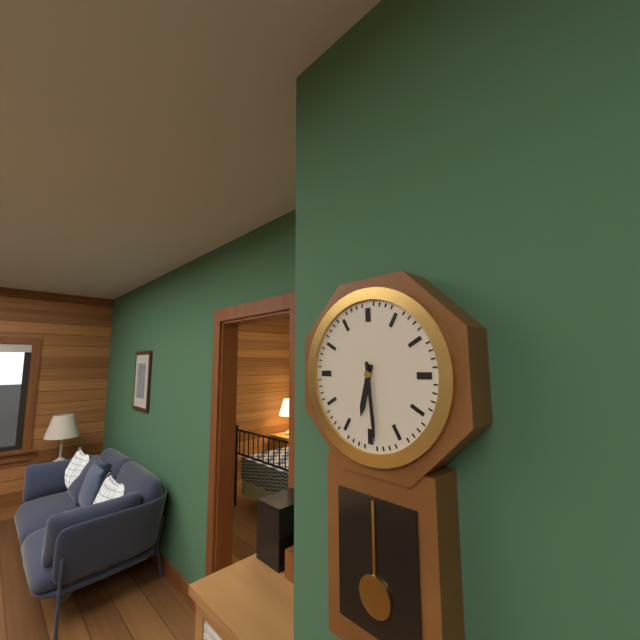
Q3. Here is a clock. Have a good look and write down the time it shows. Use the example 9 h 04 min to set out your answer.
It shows 6 h 29 min
